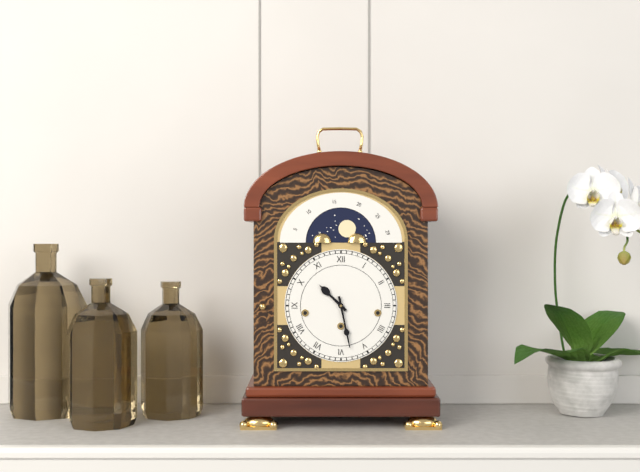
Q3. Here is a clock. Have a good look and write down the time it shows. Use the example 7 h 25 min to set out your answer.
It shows 10 h 28 min
